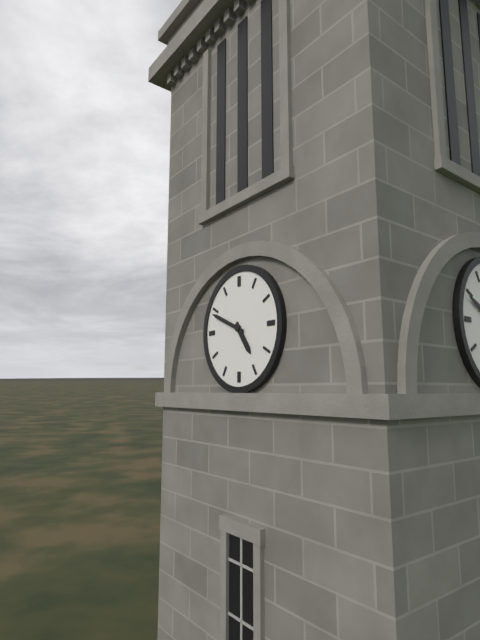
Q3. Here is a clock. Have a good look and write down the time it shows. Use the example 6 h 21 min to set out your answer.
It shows 4 h 49 min
